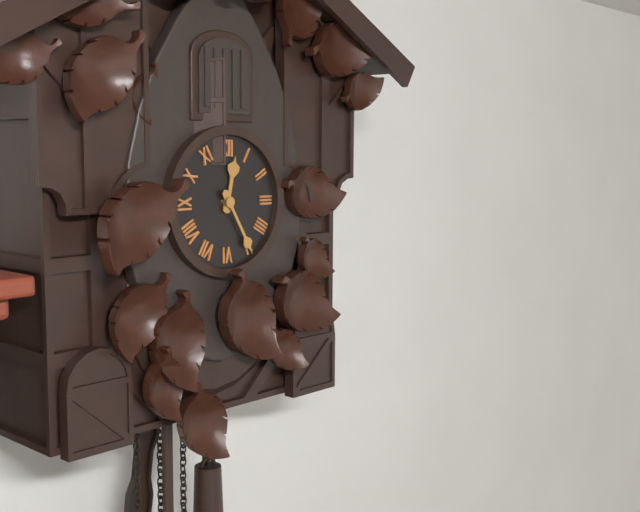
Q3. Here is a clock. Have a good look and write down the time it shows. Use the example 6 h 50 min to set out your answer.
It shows 12 h 25 min
